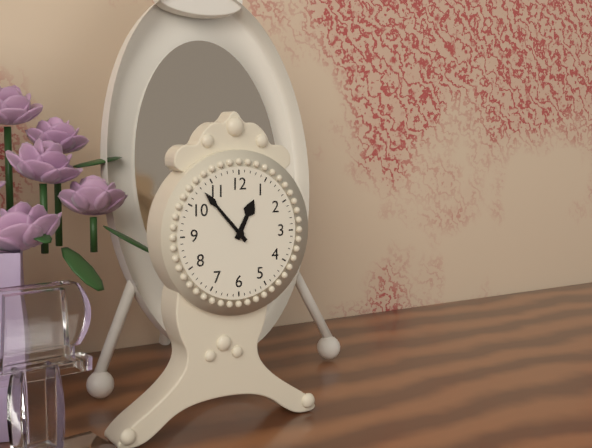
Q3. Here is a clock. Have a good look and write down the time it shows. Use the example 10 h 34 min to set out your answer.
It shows 12 h 53 min
